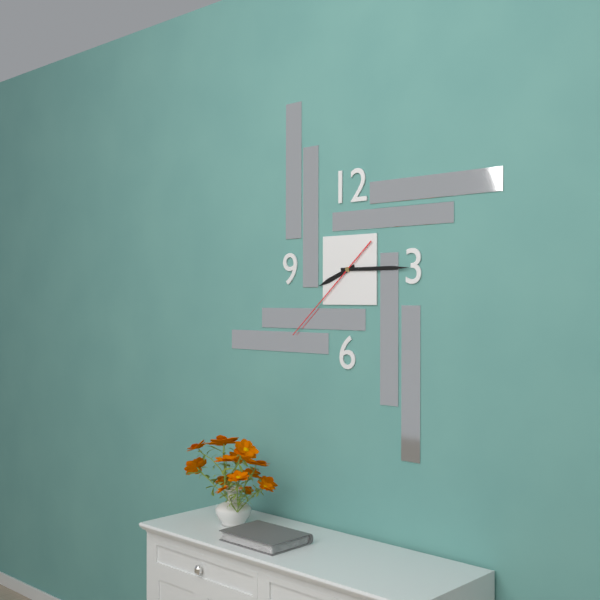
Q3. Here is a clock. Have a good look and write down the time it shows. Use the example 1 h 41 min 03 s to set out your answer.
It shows 8 h 15 min 38 s
